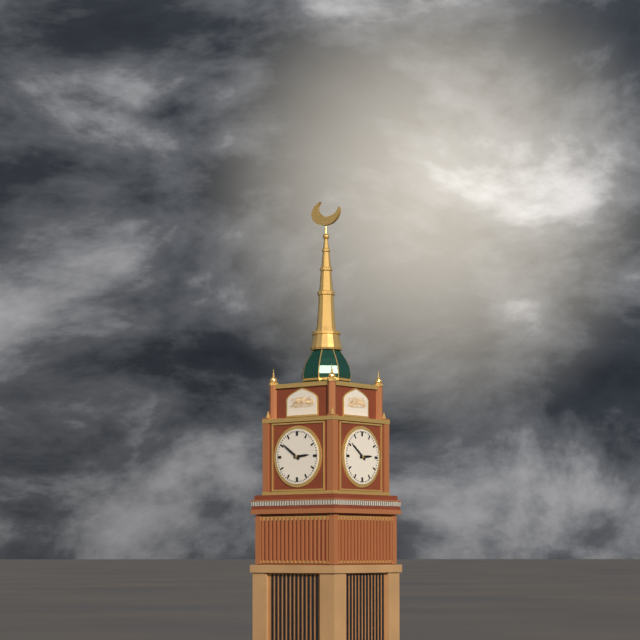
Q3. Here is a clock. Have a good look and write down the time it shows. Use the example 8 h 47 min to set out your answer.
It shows 2 h 51 min
